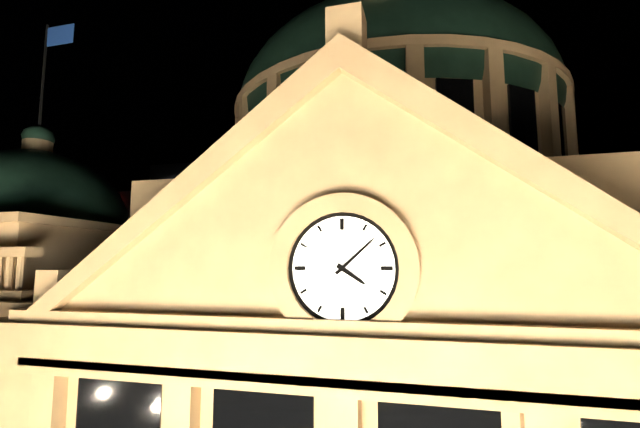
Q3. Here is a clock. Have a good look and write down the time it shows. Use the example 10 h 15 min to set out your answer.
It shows 4 h 08 min
